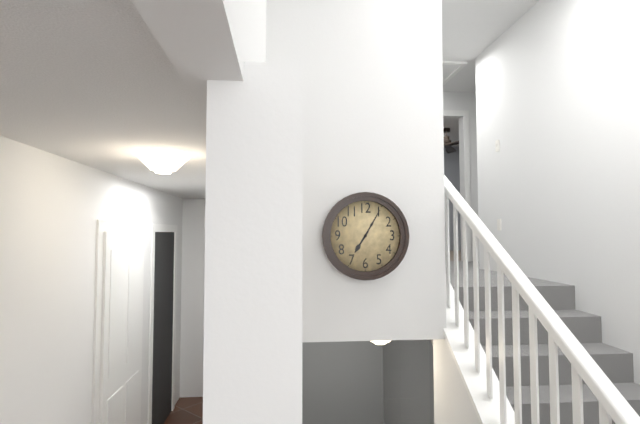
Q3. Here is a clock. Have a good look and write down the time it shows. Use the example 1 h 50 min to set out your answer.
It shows 7 h 05 min
